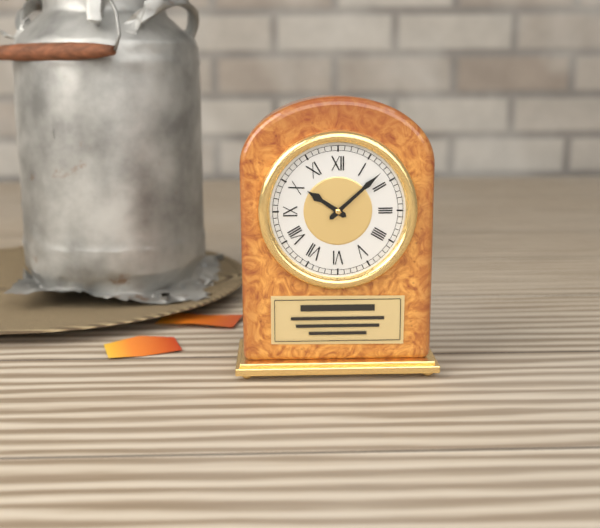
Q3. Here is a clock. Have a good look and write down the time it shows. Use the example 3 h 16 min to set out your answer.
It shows 10 h 08 min
